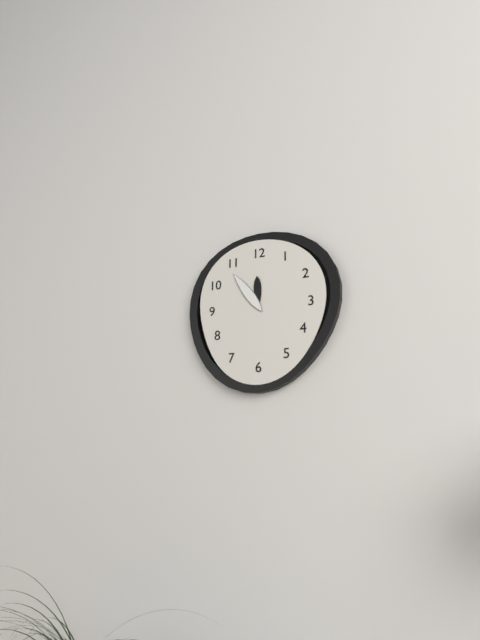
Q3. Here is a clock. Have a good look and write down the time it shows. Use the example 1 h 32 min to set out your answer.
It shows 11 h 54 min
